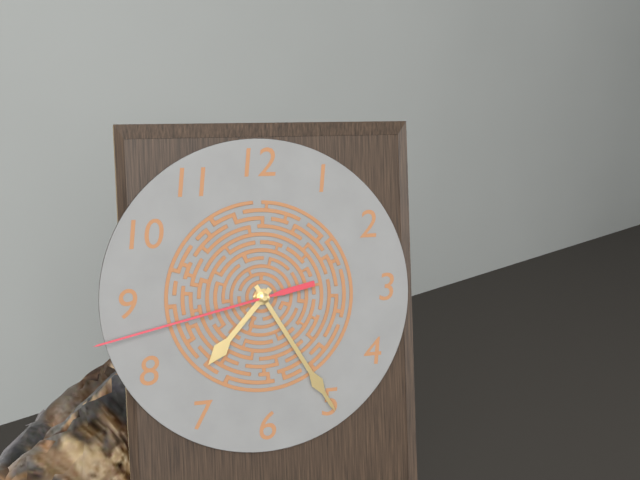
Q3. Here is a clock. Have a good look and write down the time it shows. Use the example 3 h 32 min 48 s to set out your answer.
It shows 7 h 25 min 43 s
